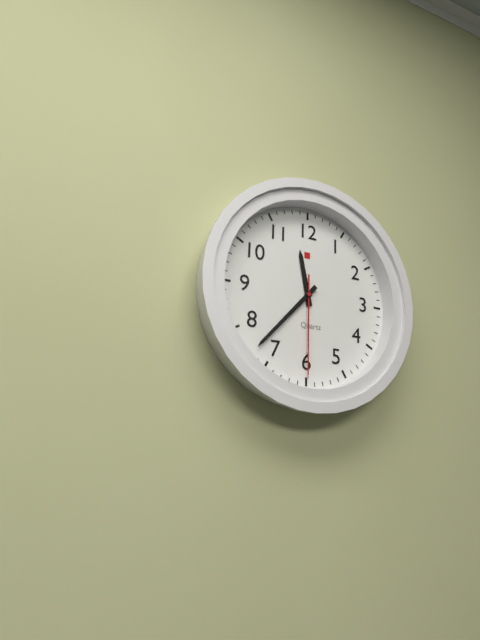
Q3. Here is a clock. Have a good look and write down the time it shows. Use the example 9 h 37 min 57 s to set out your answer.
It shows 11 h 37 min 30 s
